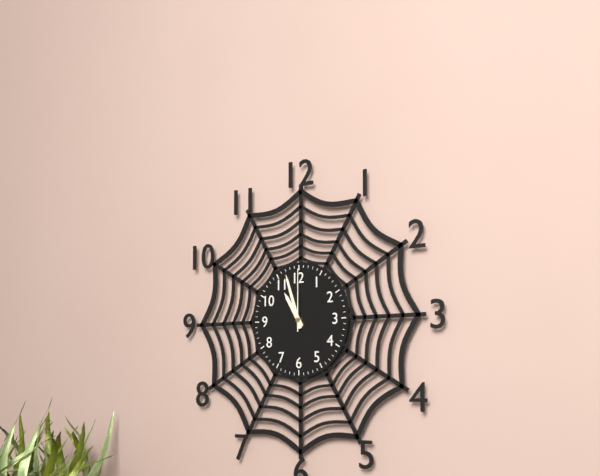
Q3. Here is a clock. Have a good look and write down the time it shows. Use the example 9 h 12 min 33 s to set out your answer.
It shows 10 h 57 min 00 s
